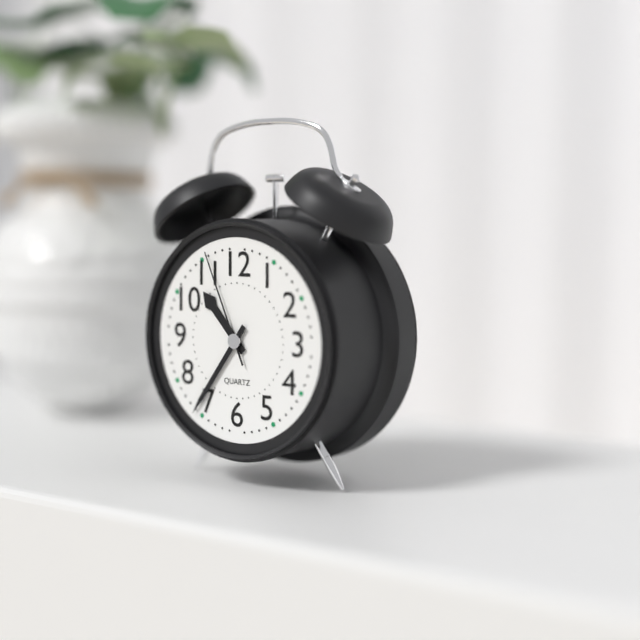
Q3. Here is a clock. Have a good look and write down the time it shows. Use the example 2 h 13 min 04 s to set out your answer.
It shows 10 h 36 min 56 s
